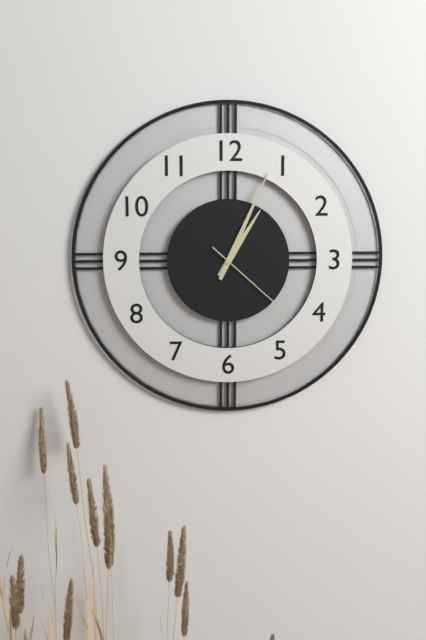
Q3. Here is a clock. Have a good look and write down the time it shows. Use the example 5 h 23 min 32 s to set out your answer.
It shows 1 h 04 min 22 s
